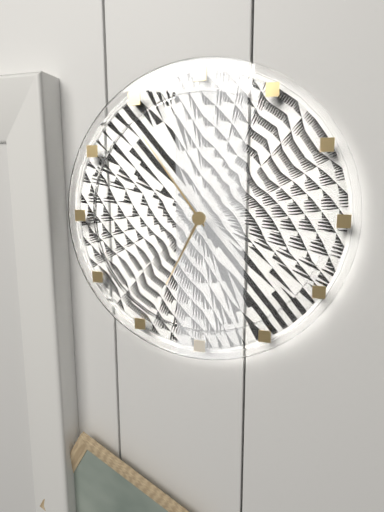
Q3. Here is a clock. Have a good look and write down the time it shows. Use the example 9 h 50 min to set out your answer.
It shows 6 h 54 min
